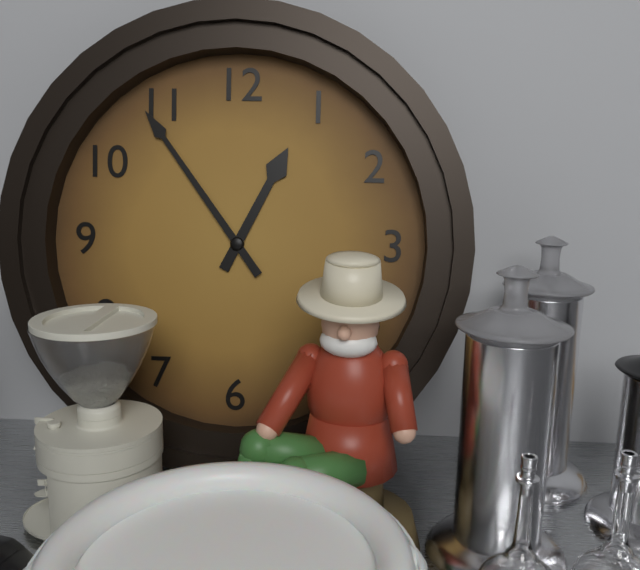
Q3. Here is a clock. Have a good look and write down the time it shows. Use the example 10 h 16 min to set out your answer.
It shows 12 h 54 min
